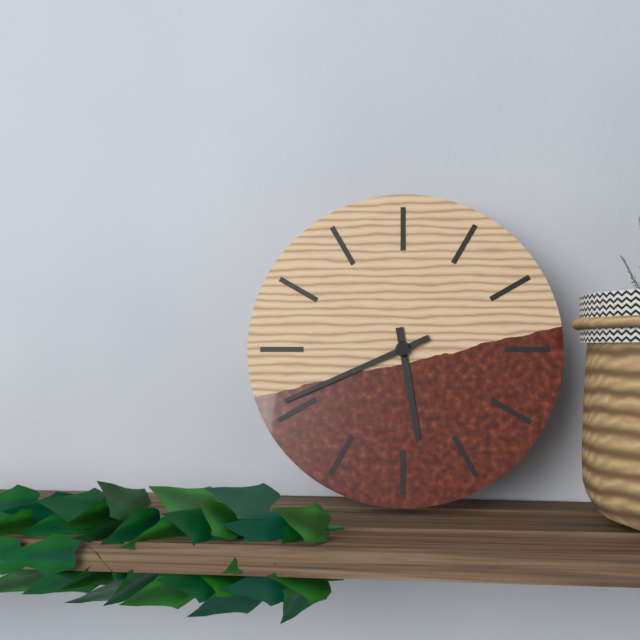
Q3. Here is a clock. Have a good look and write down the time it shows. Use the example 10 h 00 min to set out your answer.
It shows 5 h 41 min
